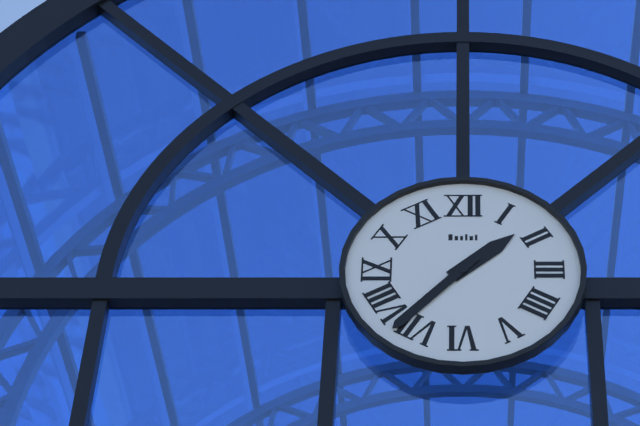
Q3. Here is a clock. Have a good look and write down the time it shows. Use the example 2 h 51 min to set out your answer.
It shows 1 h 37 min
